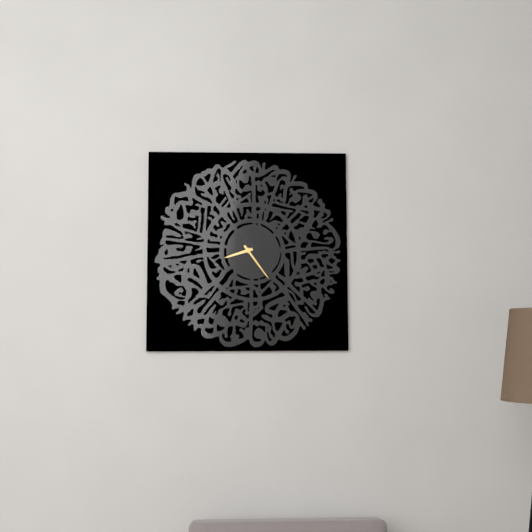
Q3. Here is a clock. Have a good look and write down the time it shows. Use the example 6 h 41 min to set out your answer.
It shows 8 h 24 min
